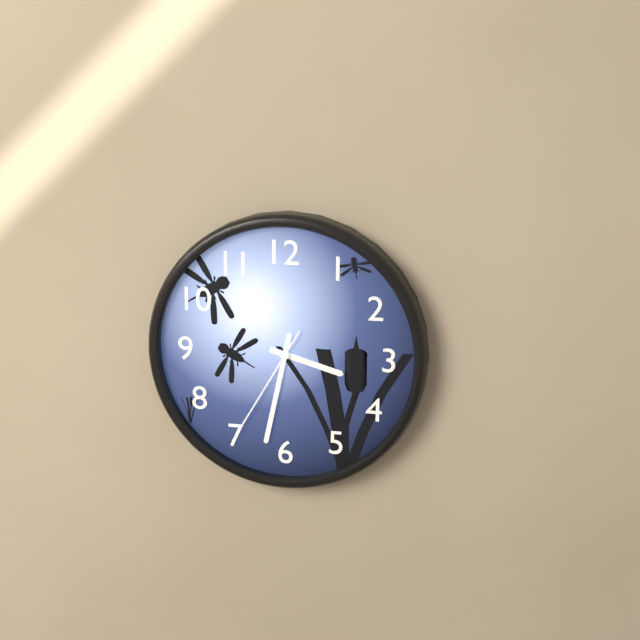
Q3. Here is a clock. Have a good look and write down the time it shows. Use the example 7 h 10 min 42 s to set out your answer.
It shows 3 h 32 min 35 s
